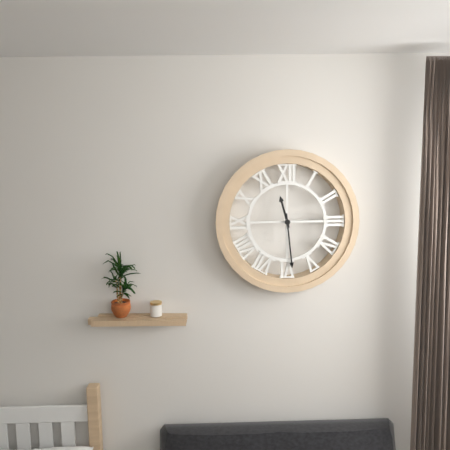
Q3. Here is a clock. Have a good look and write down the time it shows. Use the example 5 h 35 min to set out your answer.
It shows 11 h 29 min
